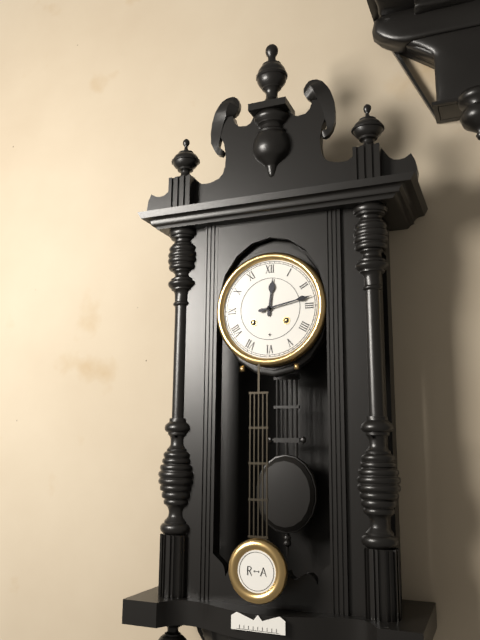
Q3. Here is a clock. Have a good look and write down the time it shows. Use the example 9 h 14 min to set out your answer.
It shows 12 h 13 min
